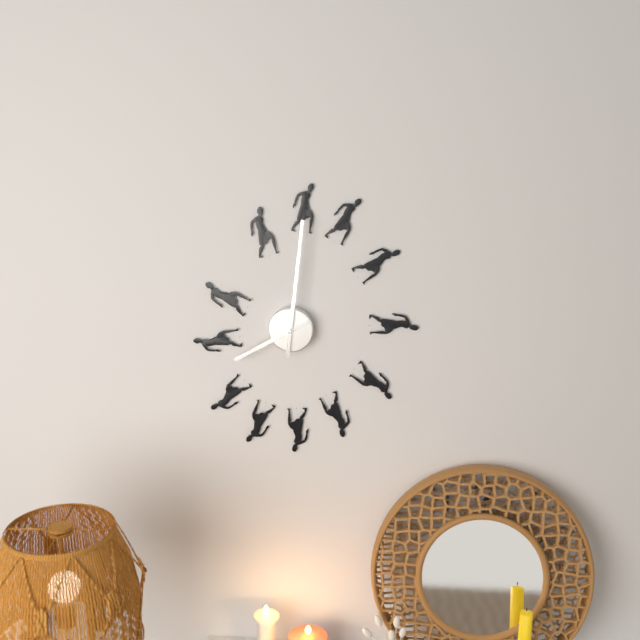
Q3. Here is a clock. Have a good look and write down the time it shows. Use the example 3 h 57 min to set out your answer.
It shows 8 h 01 min
